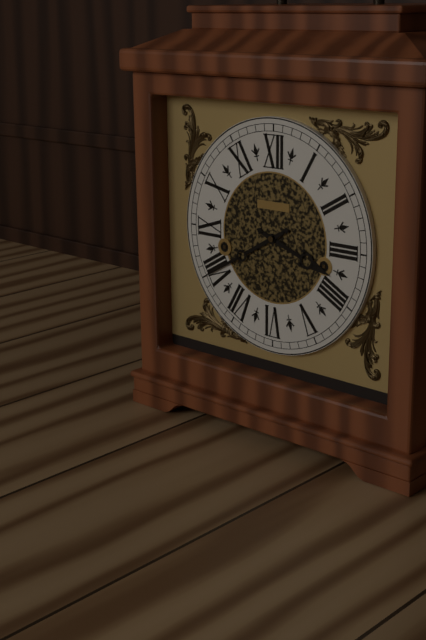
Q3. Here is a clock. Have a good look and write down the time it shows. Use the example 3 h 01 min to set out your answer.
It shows 3 h 40 min
